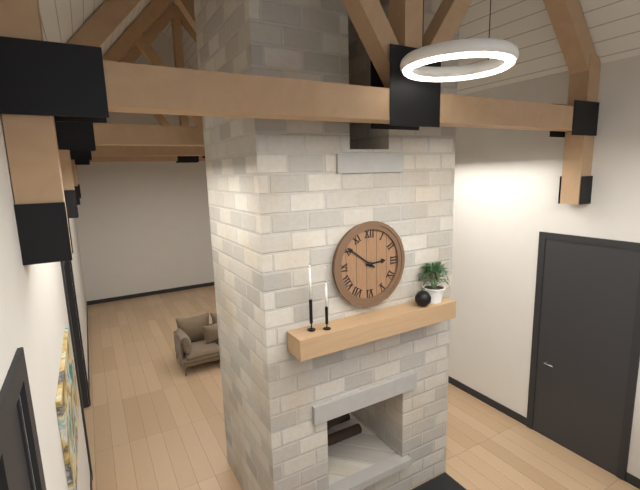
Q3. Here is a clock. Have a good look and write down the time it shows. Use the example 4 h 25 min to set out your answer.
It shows 2 h 51 min
